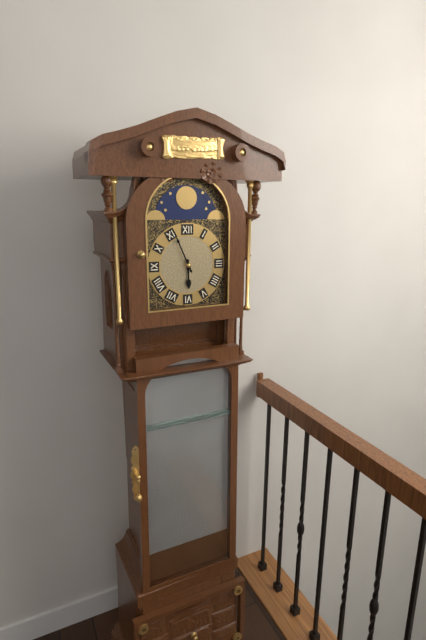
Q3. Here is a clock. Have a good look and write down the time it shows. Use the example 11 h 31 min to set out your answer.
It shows 5 h 56 min
